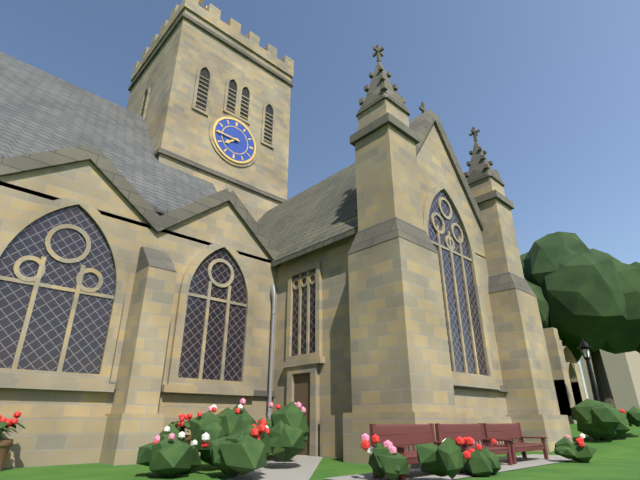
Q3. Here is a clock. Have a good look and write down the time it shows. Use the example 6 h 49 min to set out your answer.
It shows 7 h 45 min
